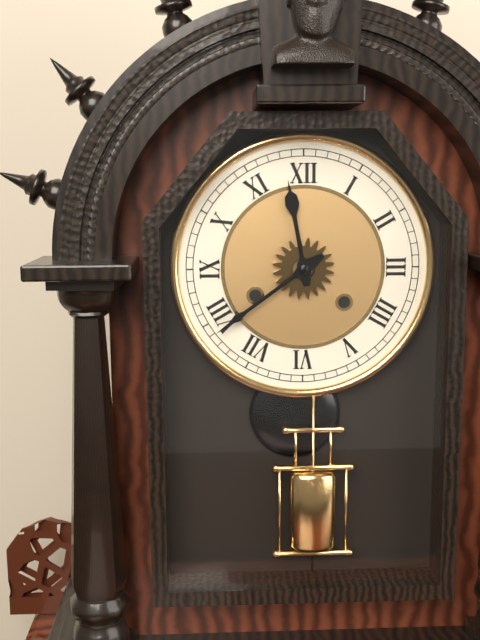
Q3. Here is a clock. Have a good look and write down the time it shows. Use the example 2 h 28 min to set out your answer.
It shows 11 h 39 min
